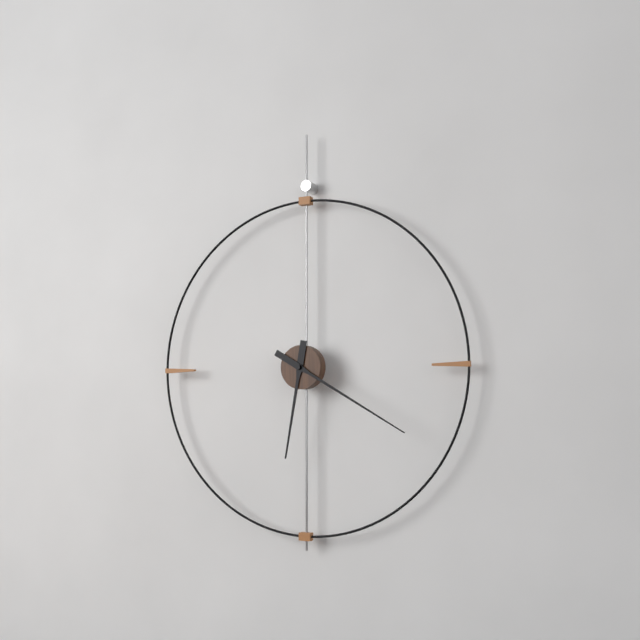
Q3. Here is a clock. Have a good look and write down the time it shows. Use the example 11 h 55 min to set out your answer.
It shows 6 h 20 min
